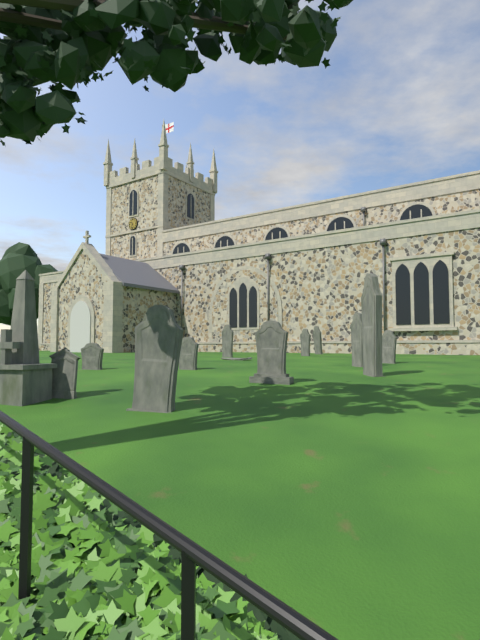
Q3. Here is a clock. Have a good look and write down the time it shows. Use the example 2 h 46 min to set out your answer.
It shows 10 h 31 min
